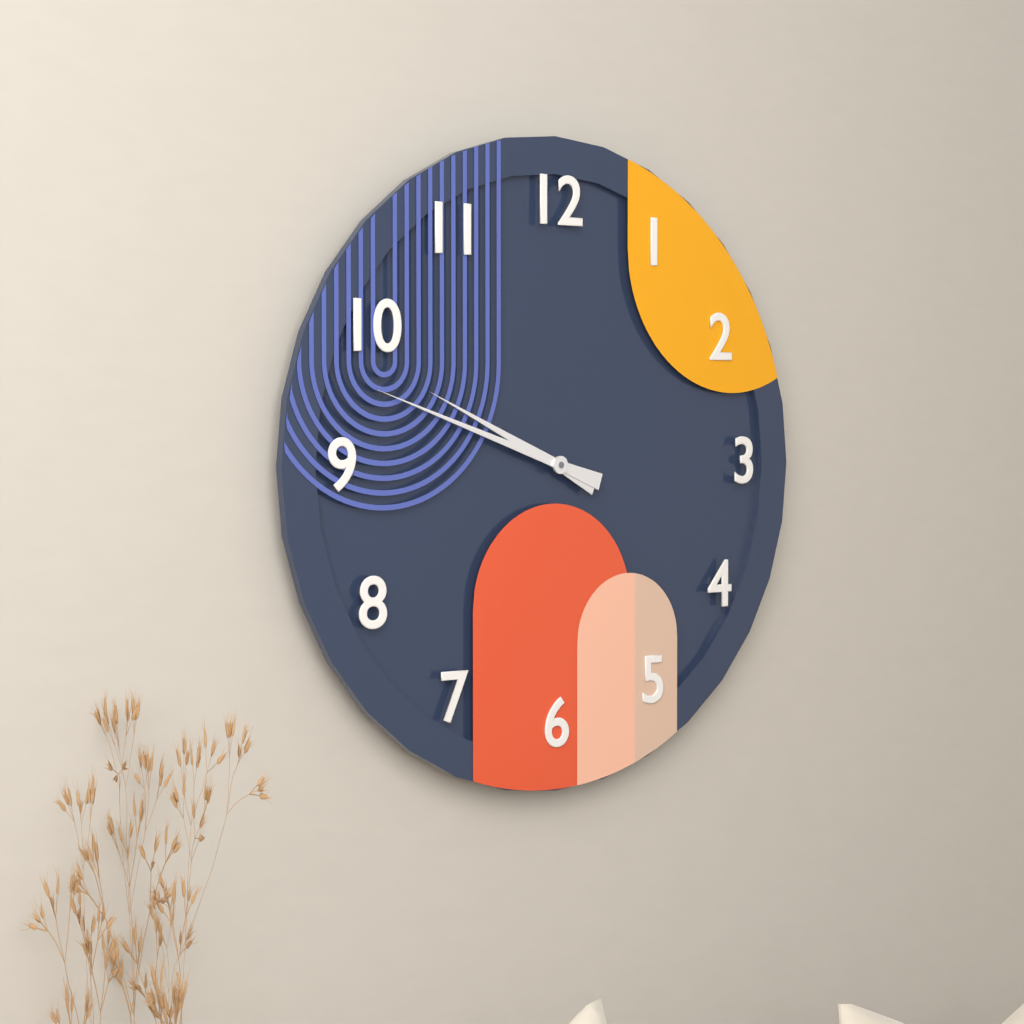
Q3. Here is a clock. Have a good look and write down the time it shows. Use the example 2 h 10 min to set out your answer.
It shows 9 h 48 min
